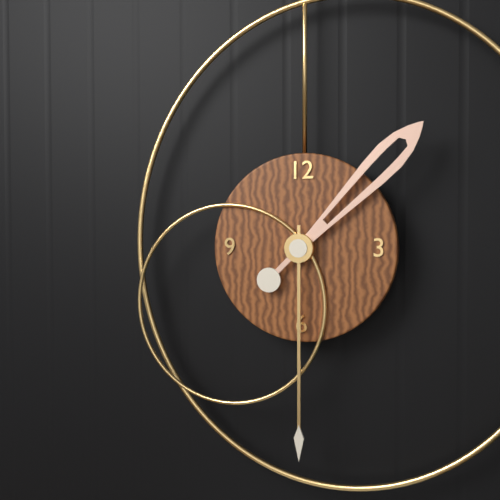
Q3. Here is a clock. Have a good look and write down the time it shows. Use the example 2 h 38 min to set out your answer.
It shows 1 h 30 min
